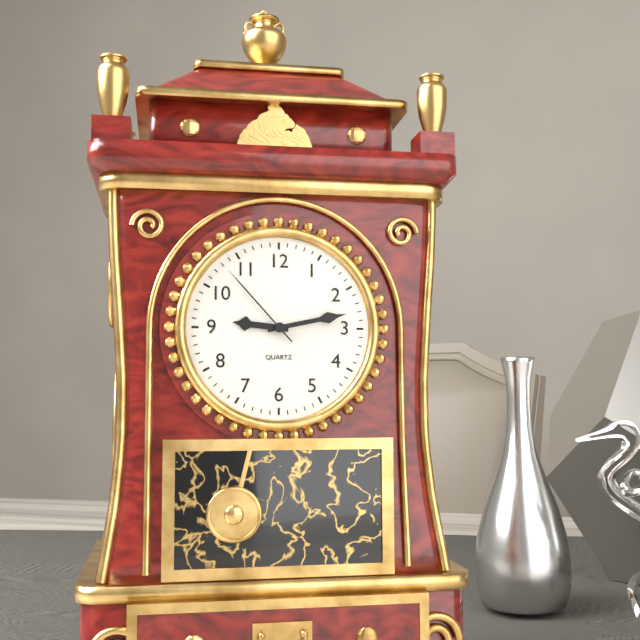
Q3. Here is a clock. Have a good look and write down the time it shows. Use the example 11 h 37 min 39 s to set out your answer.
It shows 9 h 13 min 53 s
